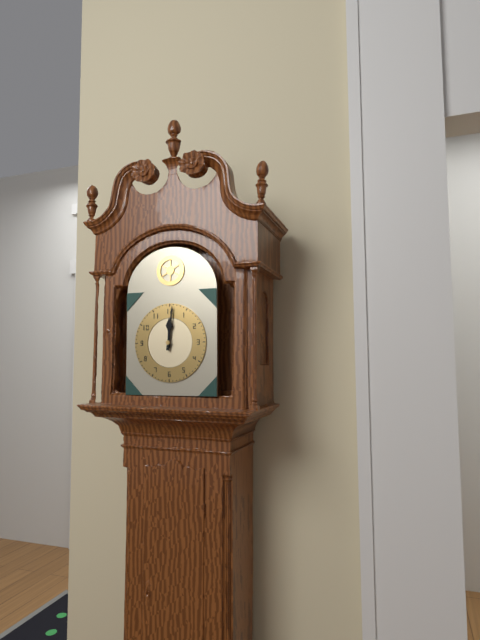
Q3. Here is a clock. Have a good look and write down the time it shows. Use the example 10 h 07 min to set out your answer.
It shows 12 h 01 min
